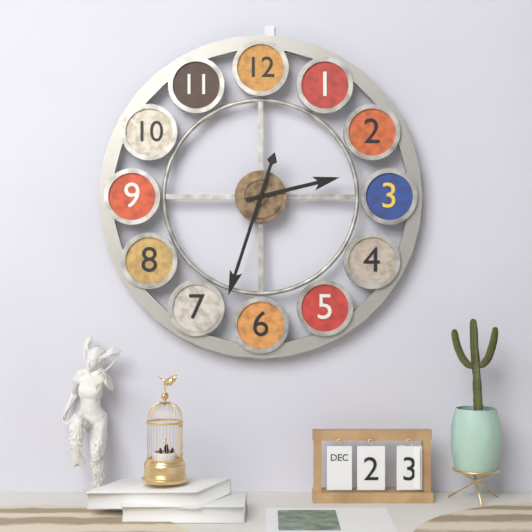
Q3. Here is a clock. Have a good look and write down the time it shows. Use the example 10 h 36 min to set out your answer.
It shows 2 h 33 min
